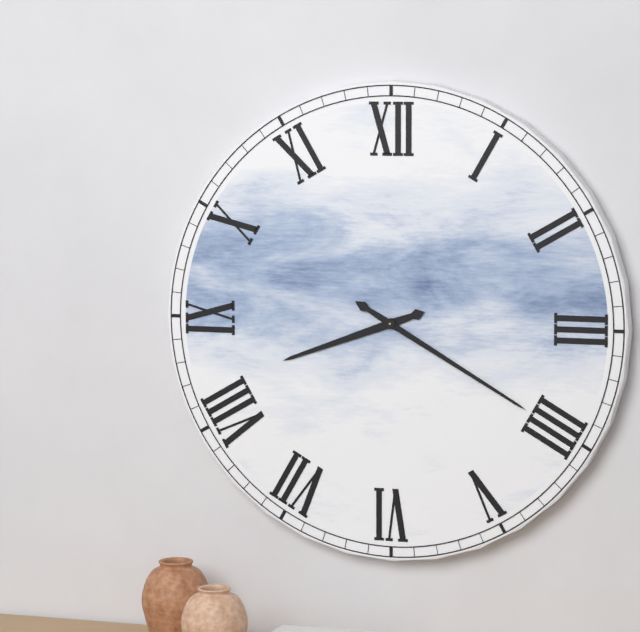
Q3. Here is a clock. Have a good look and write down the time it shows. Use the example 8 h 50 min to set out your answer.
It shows 8 h 20 min
